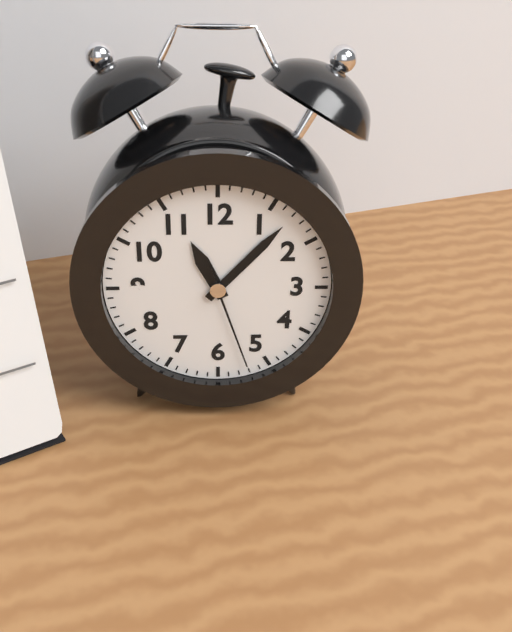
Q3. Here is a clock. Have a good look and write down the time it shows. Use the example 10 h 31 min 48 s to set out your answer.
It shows 11 h 07 min 27 s
